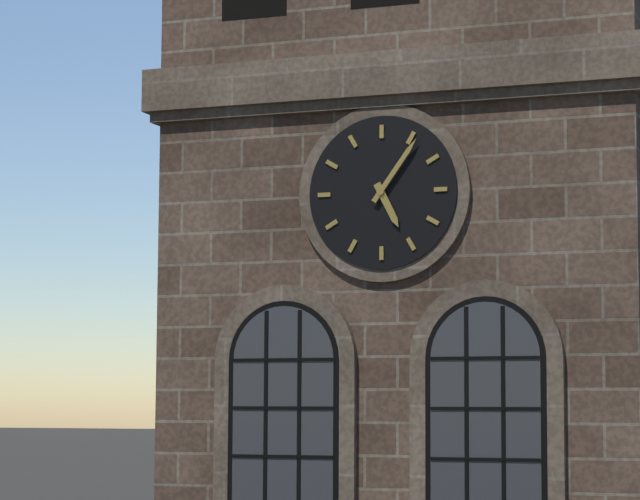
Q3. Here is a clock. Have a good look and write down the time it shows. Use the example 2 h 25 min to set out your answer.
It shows 5 h 06 min
